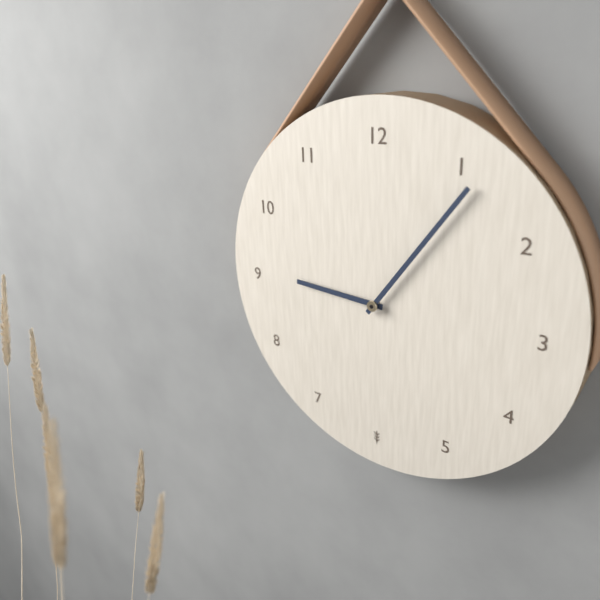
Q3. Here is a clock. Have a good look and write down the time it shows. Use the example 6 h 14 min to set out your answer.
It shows 9 h 06 min
